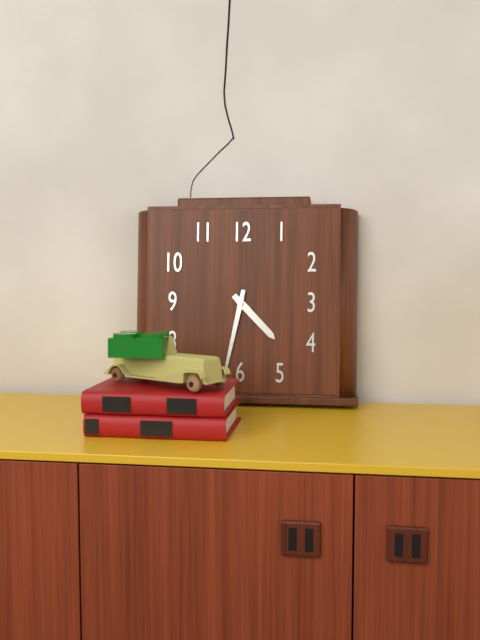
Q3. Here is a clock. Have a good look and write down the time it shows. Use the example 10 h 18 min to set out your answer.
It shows 4 h 32 min
